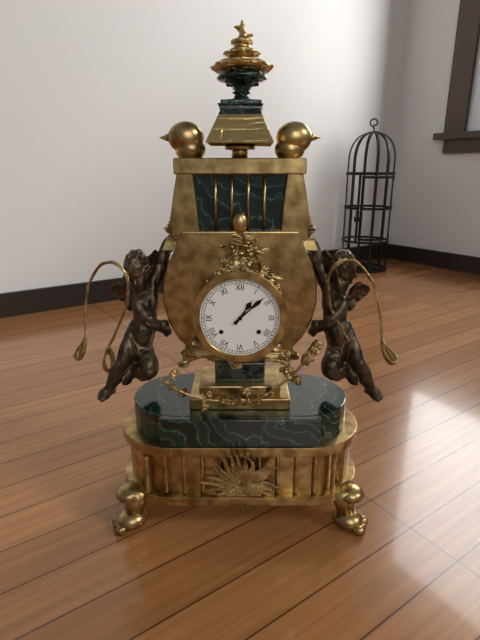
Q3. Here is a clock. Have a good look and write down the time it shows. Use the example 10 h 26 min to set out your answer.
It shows 1 h 08 min
